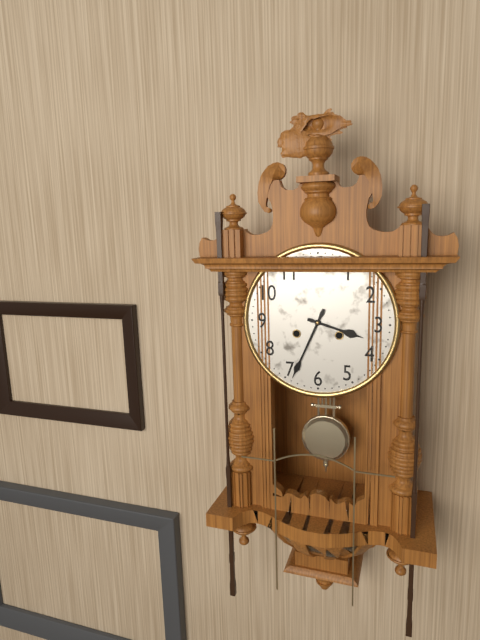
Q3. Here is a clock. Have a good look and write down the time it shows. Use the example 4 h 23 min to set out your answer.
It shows 3 h 34 min
